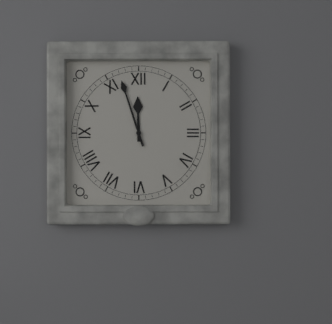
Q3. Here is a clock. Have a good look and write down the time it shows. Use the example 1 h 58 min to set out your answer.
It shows 11 h 57 min
